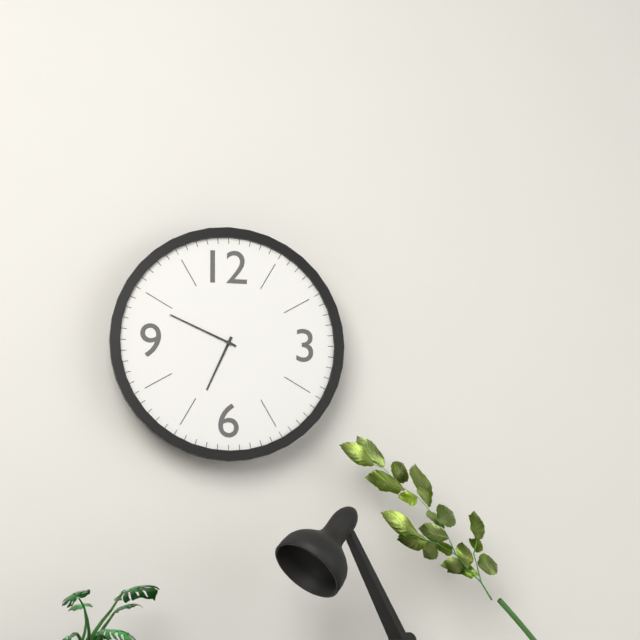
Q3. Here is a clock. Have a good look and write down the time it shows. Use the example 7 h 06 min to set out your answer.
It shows 6 h 49 min
